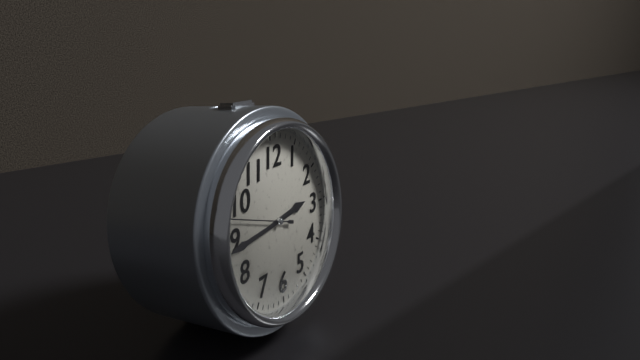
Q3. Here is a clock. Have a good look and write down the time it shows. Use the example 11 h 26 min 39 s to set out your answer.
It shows 2 h 44 min 48 s
